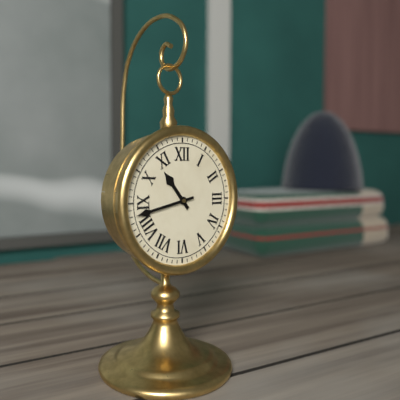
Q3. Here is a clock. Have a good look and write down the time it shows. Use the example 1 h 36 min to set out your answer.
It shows 10 h 43 min
